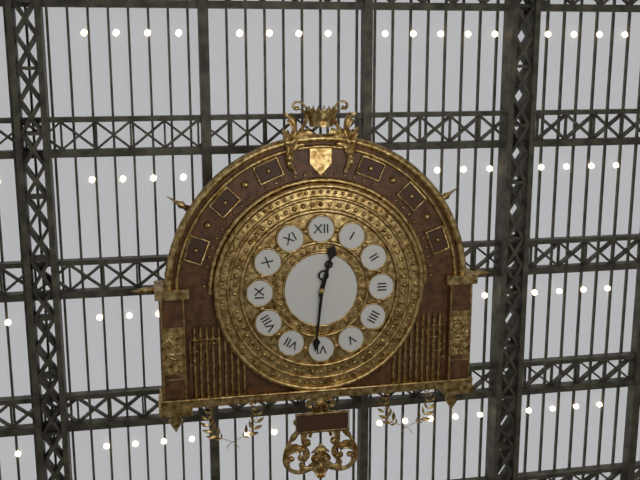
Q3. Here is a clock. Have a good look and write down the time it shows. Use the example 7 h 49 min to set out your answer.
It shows 12 h 31 min
